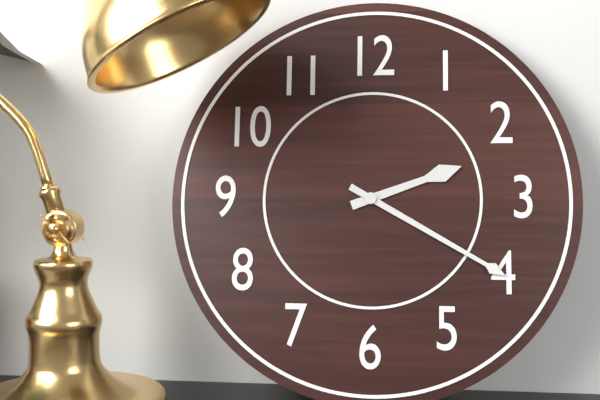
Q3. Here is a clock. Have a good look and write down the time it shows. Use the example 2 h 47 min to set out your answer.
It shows 2 h 20 min
